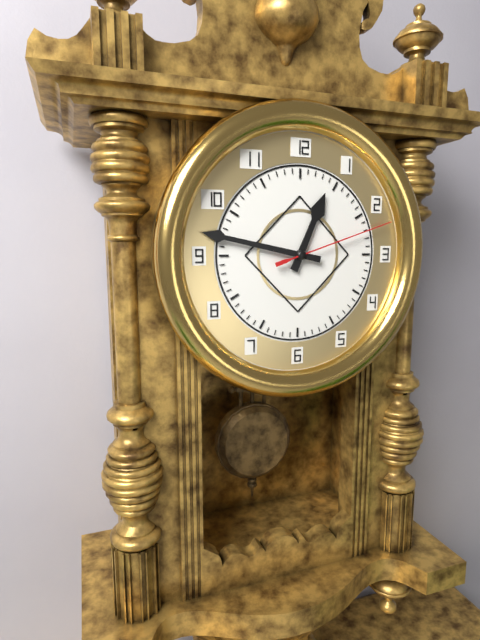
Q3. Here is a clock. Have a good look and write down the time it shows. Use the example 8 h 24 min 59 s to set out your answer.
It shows 12 h 47 min 12 s
